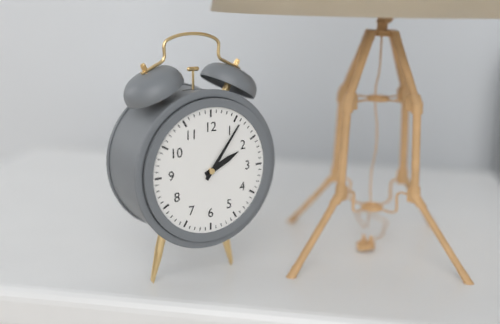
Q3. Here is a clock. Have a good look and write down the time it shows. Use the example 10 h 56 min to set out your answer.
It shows 2 h 06 min
